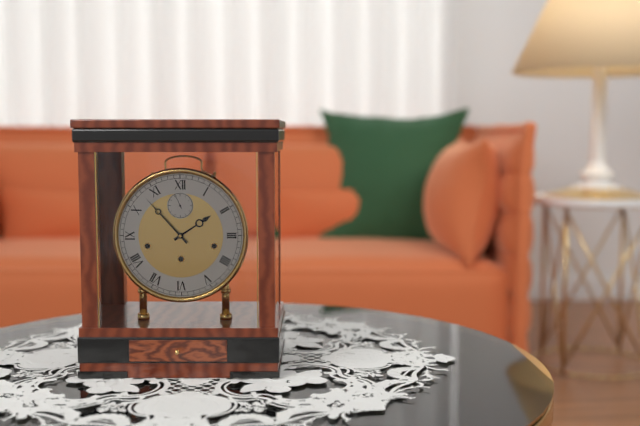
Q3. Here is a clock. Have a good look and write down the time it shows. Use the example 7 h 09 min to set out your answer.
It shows 1 h 53 min
